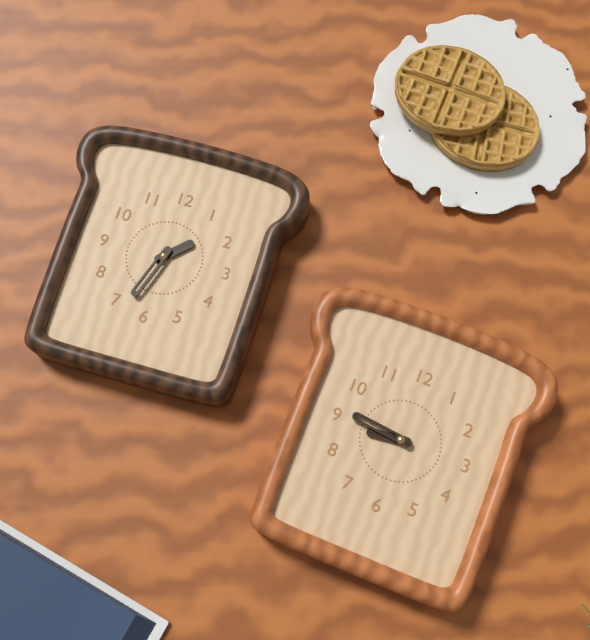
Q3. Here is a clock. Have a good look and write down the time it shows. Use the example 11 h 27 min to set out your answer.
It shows 8 h 46 min
